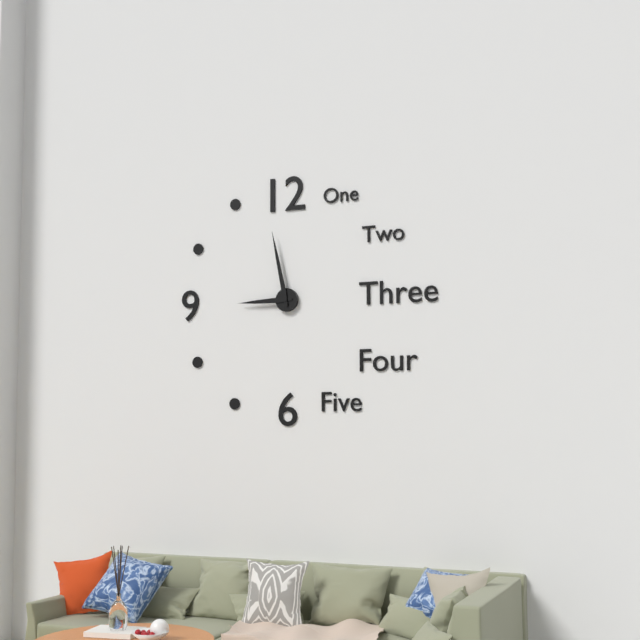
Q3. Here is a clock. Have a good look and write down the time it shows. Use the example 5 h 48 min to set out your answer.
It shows 8 h 58 min
